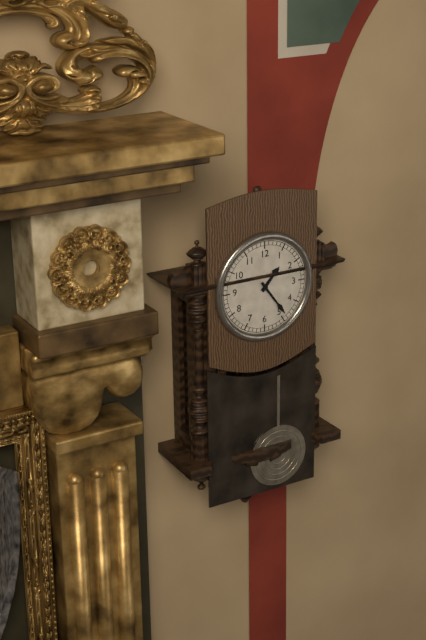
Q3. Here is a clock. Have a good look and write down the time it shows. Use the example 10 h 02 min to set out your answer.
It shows 1 h 24 min
